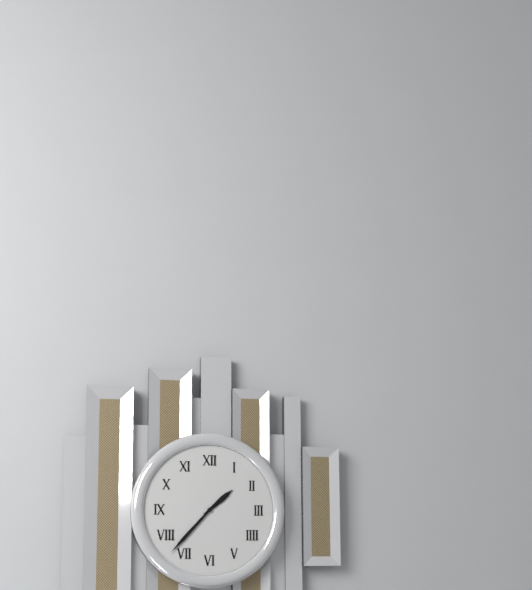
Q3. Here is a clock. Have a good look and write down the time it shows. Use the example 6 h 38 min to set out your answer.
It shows 1 h 37 min
